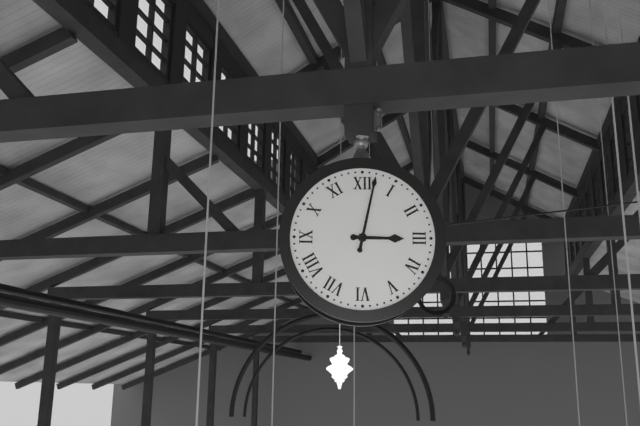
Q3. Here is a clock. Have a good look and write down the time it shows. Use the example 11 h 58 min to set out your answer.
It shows 3 h 02 min
